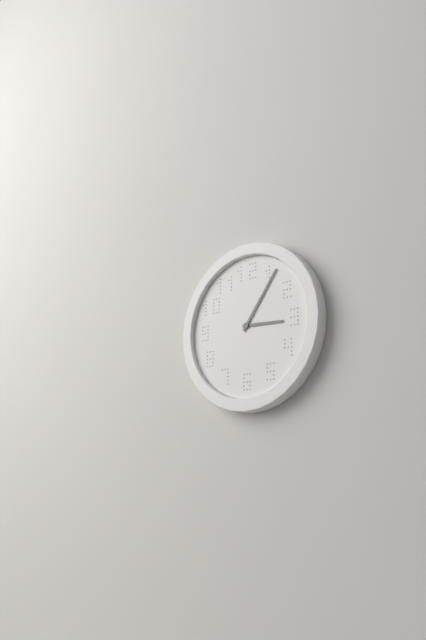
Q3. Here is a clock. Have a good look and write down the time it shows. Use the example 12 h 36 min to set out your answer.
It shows 3 h 06 min
